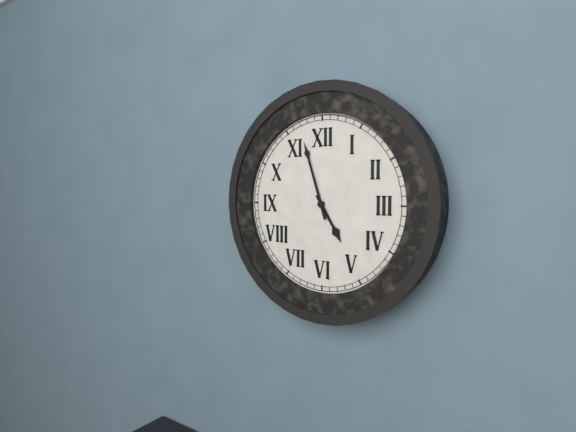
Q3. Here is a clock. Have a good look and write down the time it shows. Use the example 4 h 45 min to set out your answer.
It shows 4 h 57 min
